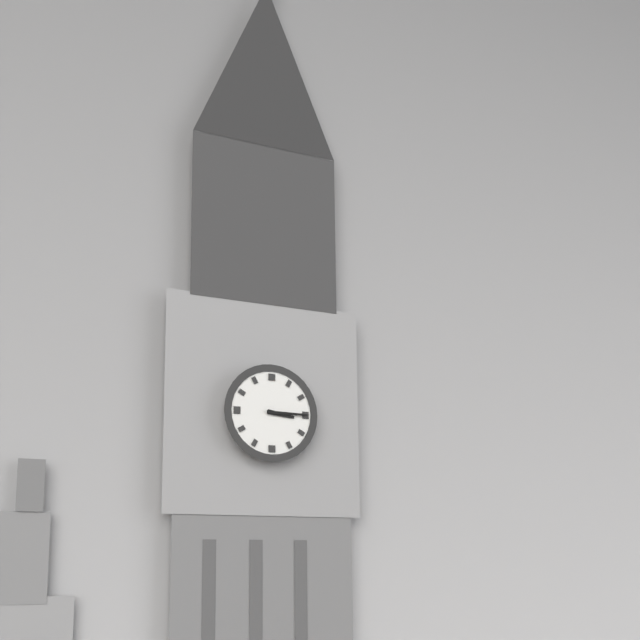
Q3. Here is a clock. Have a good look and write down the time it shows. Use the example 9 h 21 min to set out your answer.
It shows 3 h 15 min
